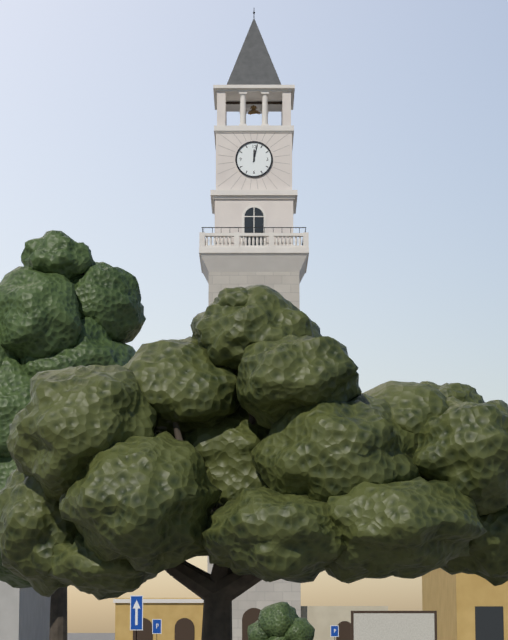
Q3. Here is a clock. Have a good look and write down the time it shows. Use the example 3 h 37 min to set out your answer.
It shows 12 h 02 min
